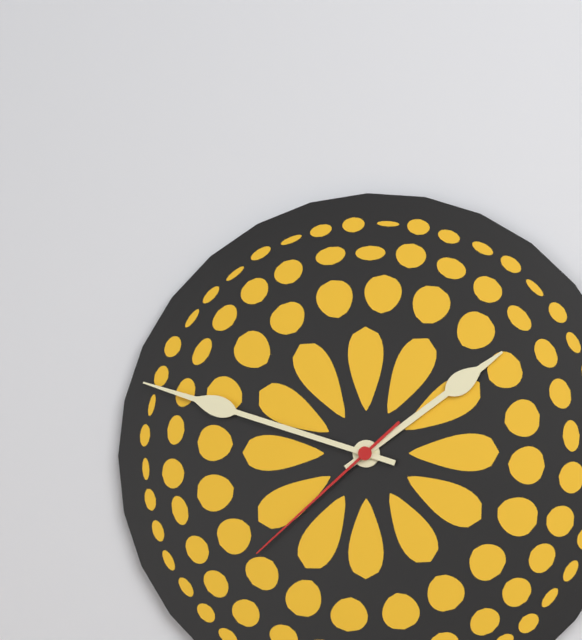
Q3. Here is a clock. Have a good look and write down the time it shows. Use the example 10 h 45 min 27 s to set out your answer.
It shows 1 h 48 min 38 s
